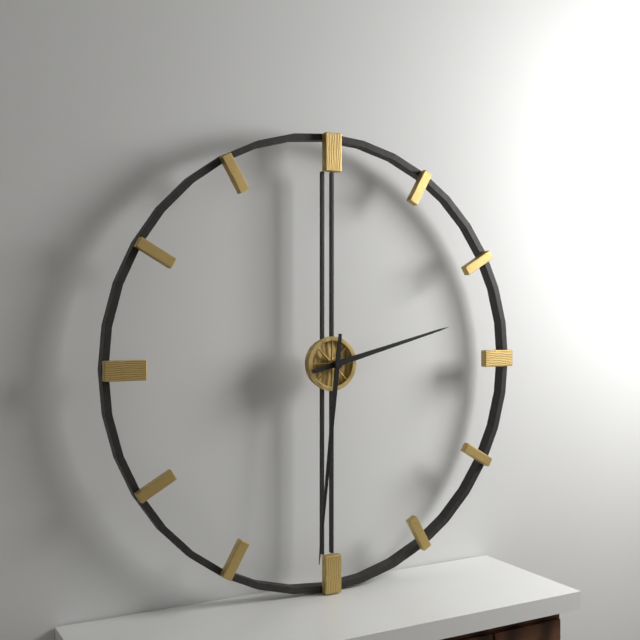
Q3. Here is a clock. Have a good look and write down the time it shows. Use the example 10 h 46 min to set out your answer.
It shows 2 h 31 min
